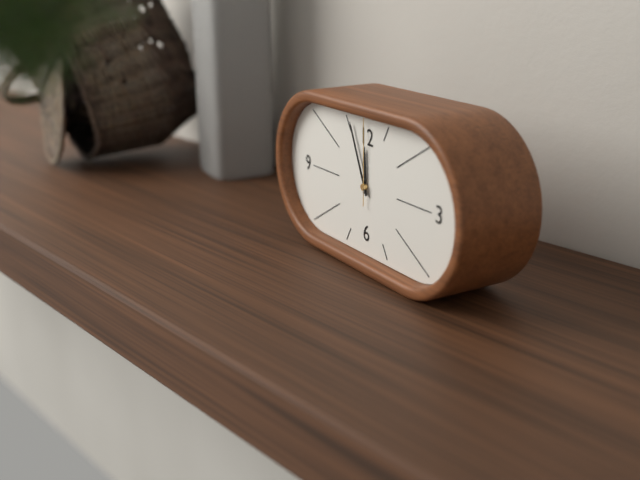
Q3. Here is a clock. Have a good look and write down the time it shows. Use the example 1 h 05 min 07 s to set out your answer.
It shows 11 h 56 min 00 s
